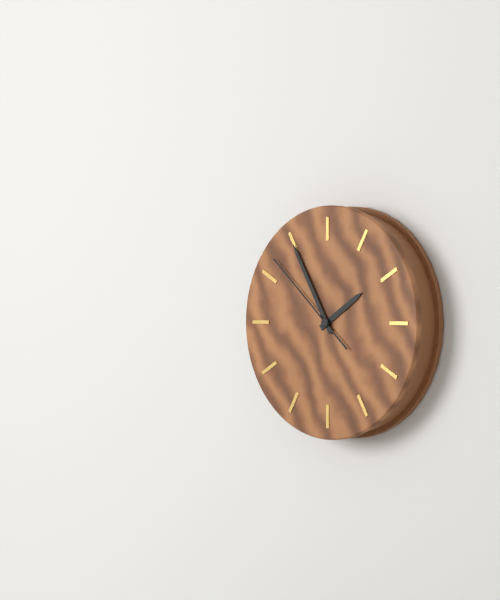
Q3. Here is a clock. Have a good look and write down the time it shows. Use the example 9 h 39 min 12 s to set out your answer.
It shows 1 h 55 min 52 s
